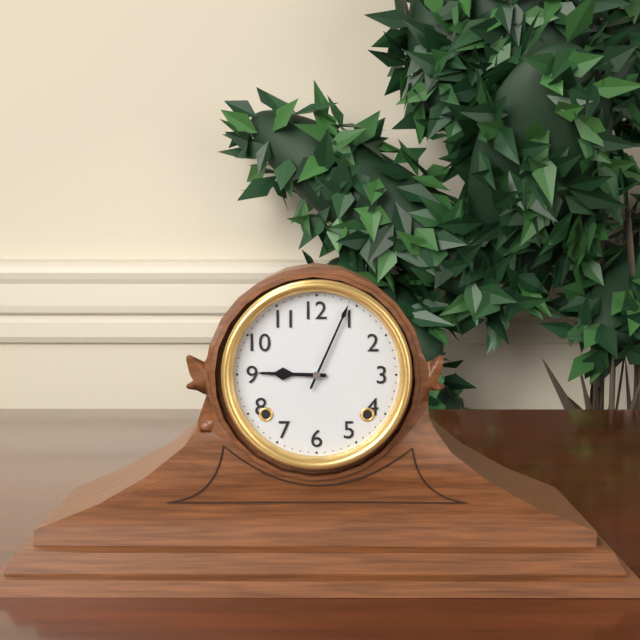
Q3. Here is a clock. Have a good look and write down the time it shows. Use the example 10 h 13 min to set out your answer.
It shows 9 h 04 min
